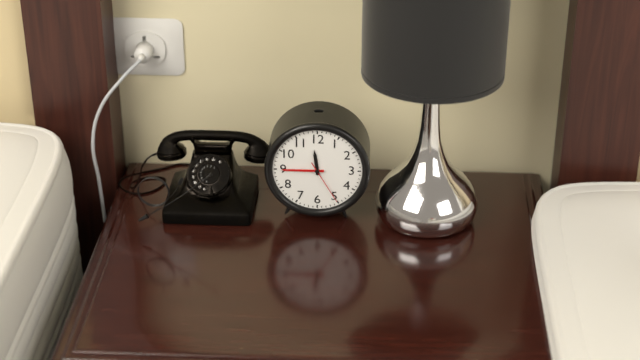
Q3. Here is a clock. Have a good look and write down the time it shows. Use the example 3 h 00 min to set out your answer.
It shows 11 h 45 min
